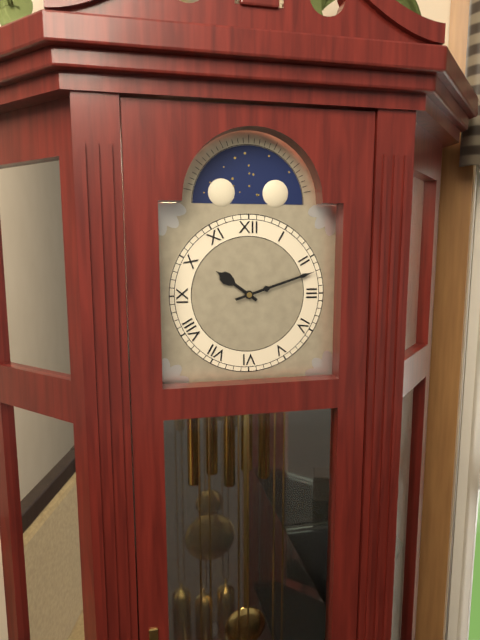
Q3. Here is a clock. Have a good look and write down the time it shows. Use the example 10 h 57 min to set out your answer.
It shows 10 h 12 min
